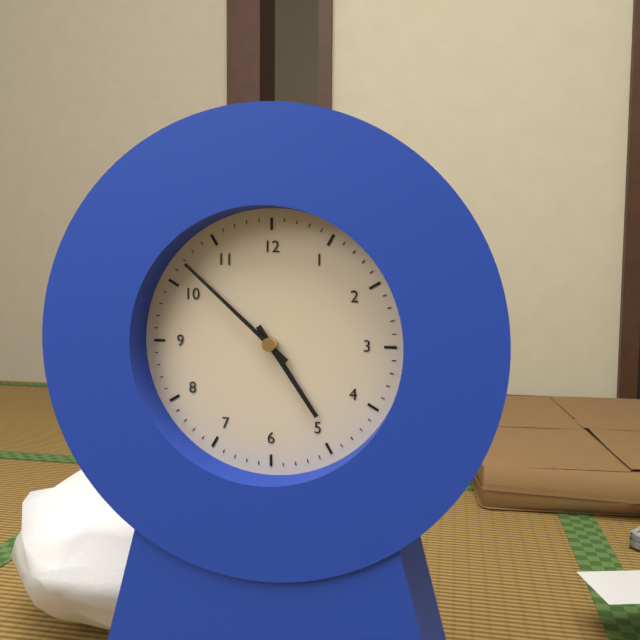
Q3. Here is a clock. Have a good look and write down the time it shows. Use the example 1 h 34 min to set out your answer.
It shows 4 h 52 min
